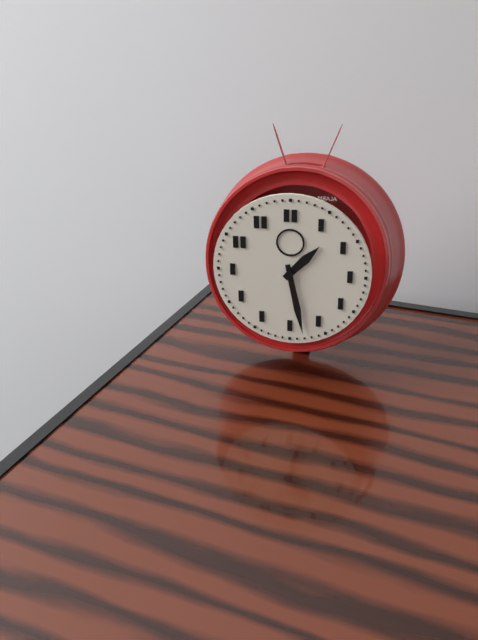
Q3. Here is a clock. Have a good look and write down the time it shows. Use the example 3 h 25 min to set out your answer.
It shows 1 h 28 min
